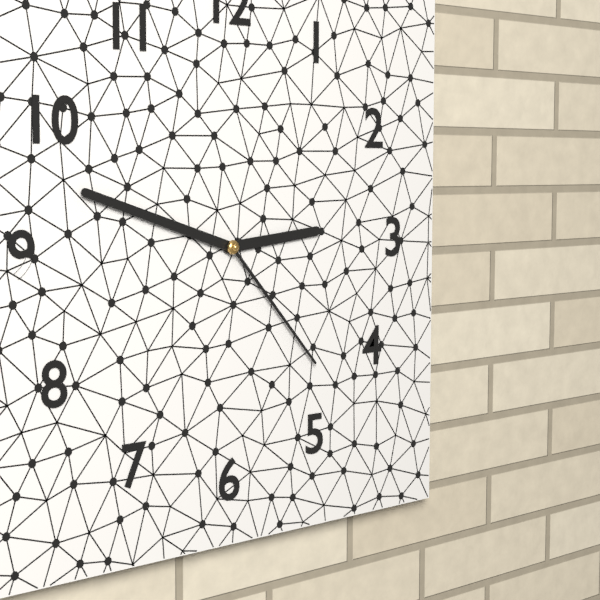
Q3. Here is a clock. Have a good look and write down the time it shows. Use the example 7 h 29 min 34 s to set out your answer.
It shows 2 h 48 min 23 s
